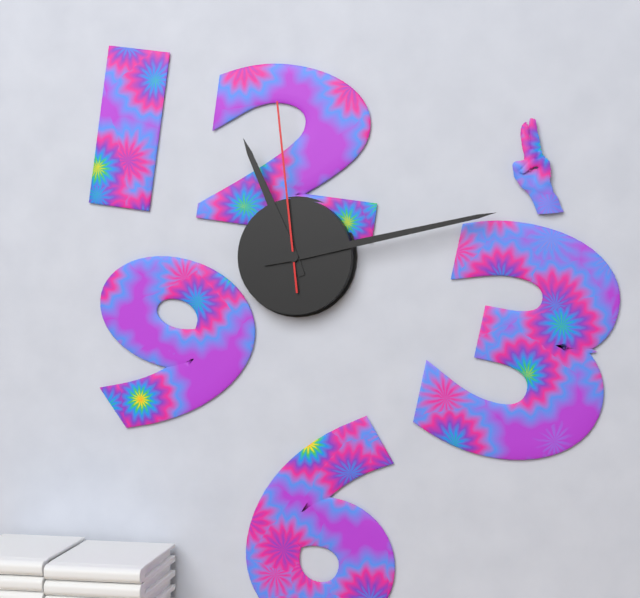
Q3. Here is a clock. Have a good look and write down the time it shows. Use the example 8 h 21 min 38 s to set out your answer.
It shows 11 h 13 min 59 s
